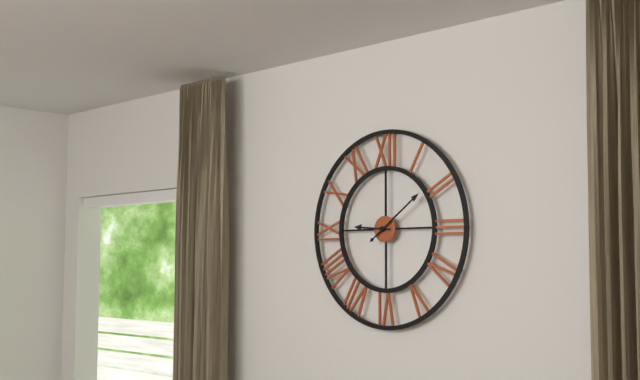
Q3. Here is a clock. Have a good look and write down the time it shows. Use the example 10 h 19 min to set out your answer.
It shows 9 h 09 min
